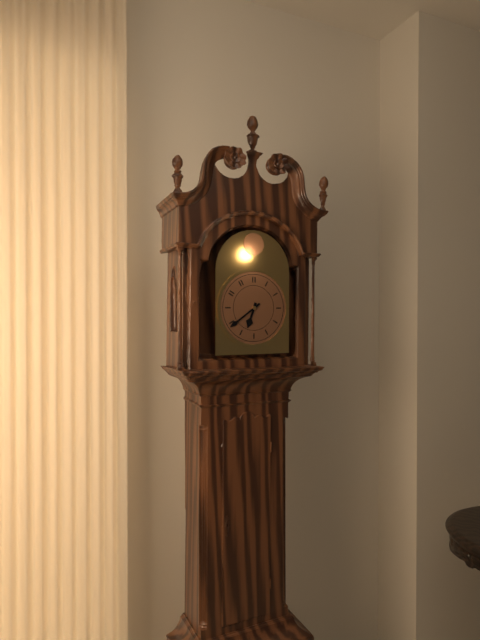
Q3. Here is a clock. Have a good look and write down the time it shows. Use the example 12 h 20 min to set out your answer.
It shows 6 h 39 min
